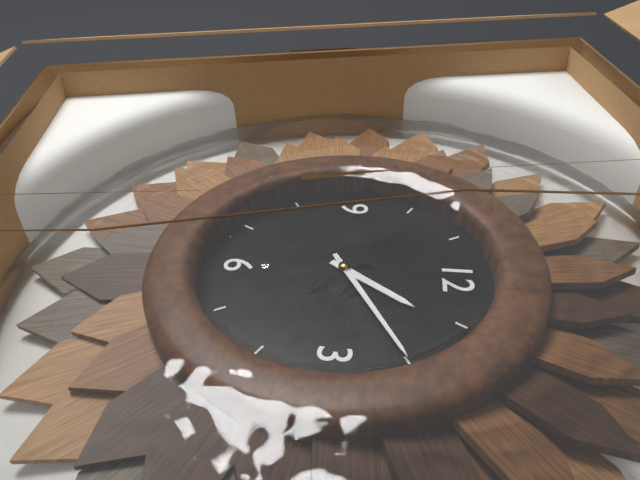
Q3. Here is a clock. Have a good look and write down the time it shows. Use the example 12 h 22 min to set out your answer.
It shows 1 h 10 min
